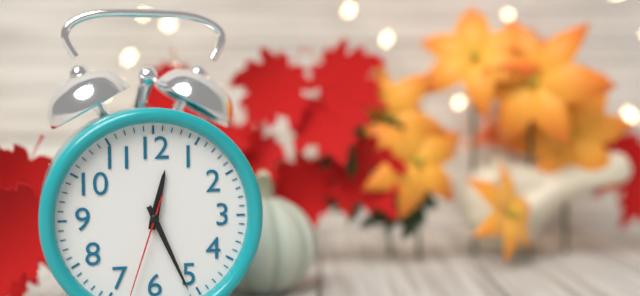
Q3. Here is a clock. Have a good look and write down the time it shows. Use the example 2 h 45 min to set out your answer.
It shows 12 h 26 min
